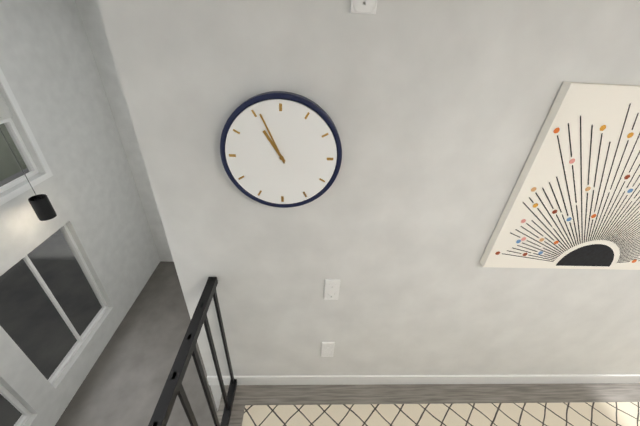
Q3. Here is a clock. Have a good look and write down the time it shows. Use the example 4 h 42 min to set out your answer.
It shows 10 h 56 min
